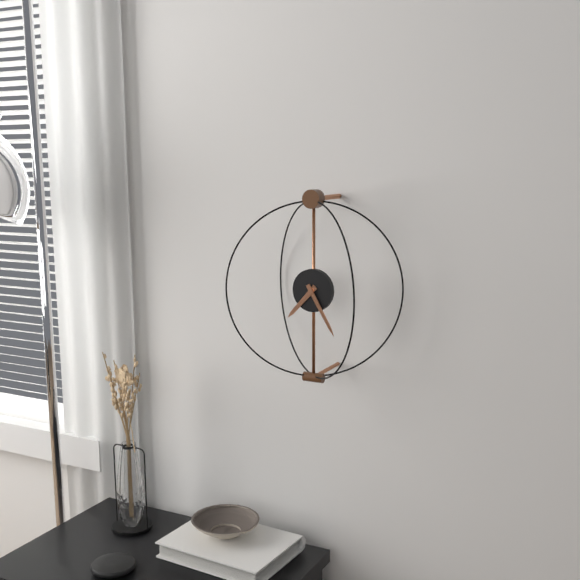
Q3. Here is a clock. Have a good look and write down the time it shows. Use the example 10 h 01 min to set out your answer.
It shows 7 h 25 min
